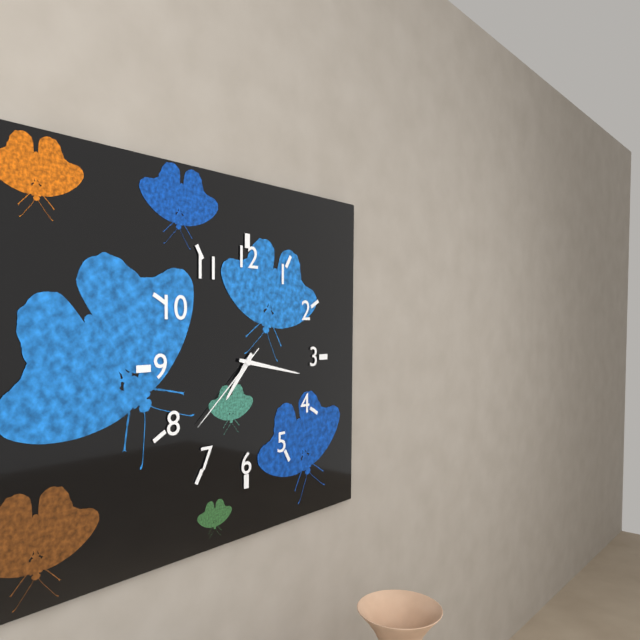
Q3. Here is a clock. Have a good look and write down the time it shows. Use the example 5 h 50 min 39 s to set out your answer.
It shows 7 h 17 min 38 s
